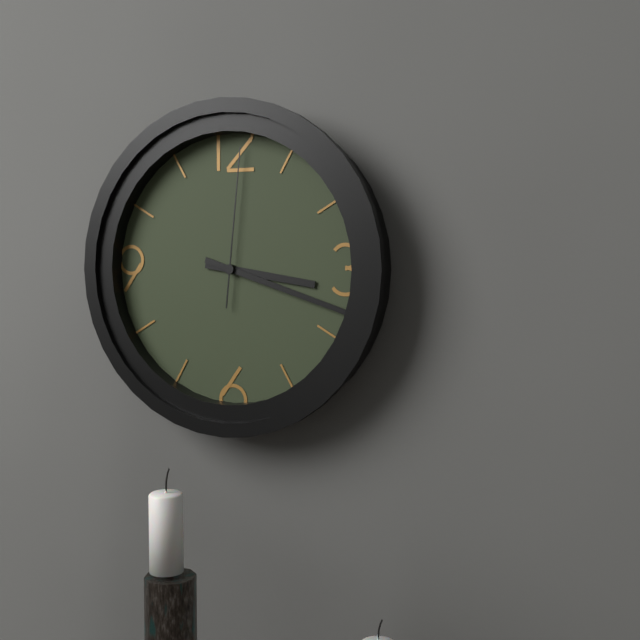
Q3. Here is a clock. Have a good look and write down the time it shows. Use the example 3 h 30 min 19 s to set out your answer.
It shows 3 h 18 min 01 s
